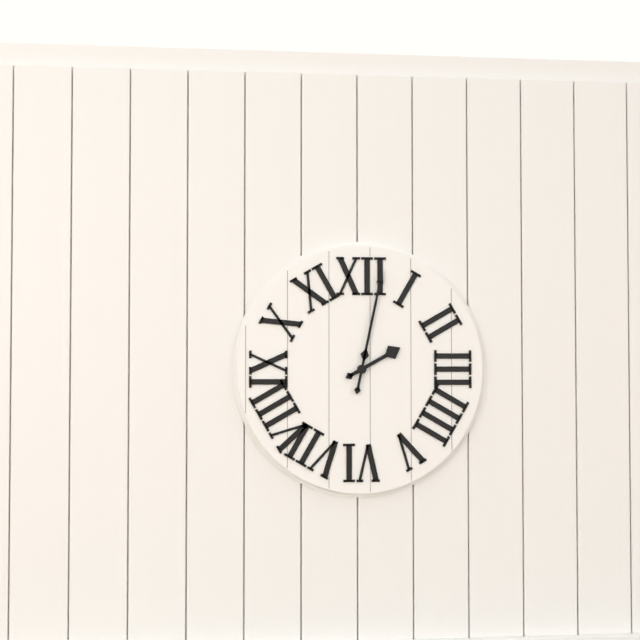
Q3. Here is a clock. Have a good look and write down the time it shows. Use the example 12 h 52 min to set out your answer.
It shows 2 h 02 min
